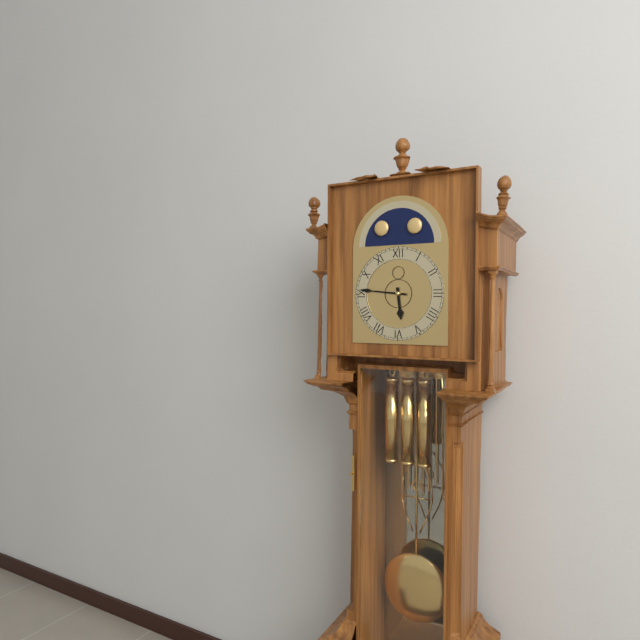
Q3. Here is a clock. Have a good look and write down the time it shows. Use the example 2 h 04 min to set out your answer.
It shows 5 h 46 min
